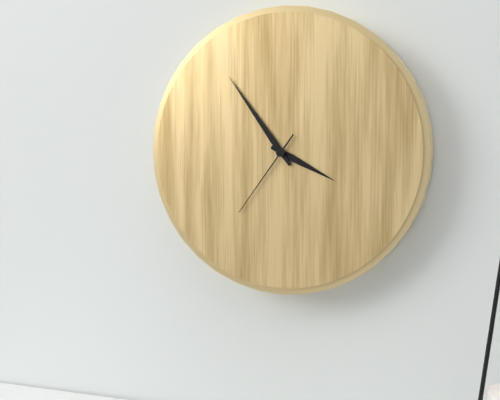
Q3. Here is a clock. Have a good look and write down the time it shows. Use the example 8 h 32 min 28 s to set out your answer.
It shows 3 h 54 min 36 s
